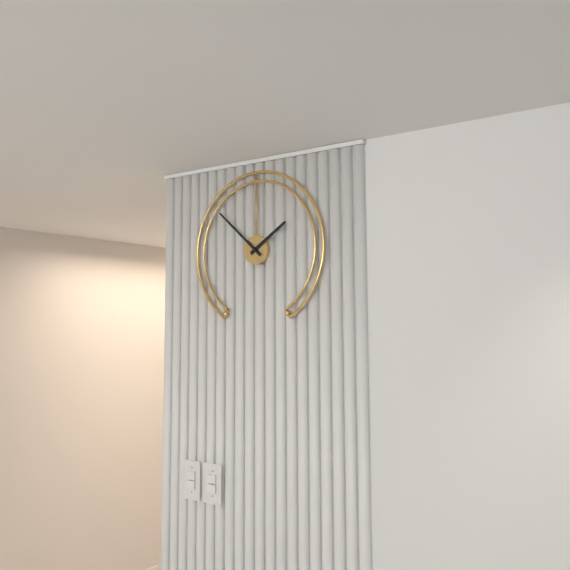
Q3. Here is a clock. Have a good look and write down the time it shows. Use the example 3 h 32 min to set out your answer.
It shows 1 h 52 min
